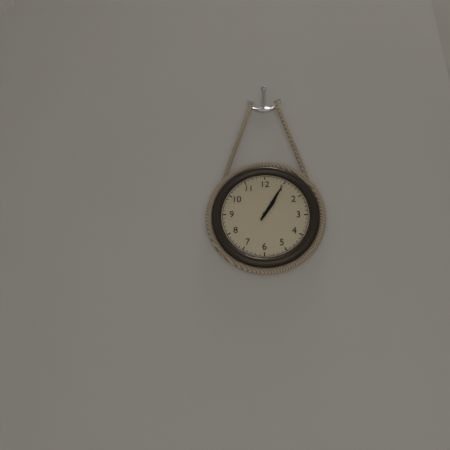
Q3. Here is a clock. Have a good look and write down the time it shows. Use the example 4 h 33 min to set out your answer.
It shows 1 h 05 min
